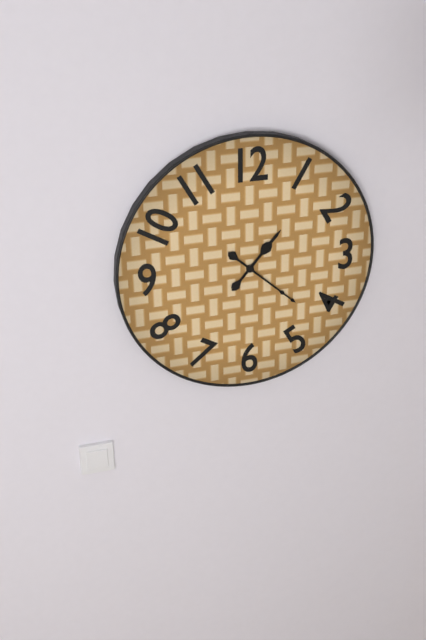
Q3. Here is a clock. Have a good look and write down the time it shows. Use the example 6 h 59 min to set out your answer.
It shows 1 h 22 min
